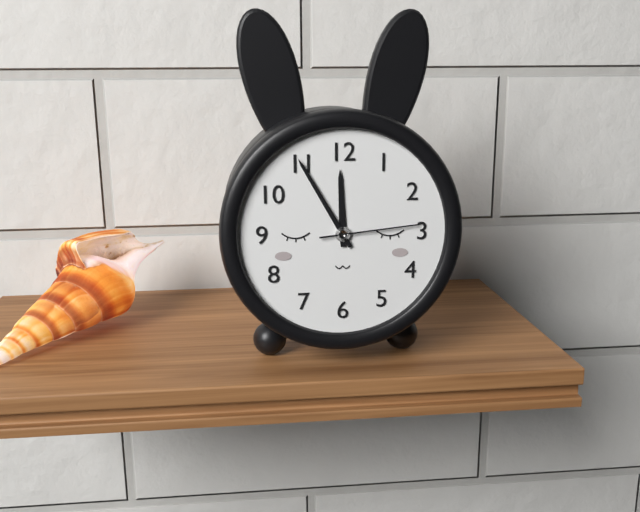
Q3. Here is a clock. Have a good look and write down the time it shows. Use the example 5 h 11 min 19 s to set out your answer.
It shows 11 h 55 min 14 s
